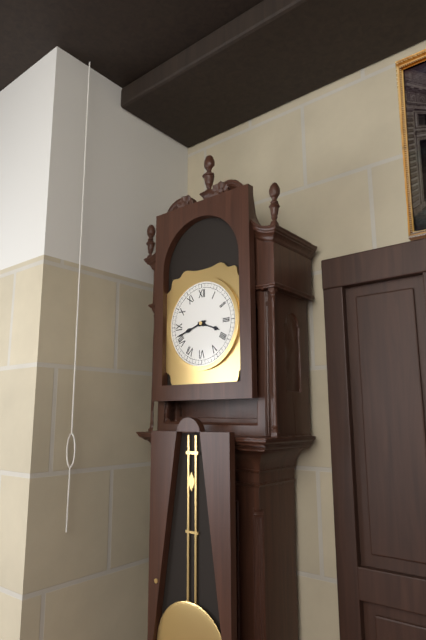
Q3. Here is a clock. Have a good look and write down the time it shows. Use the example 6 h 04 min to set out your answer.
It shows 3 h 42 min
